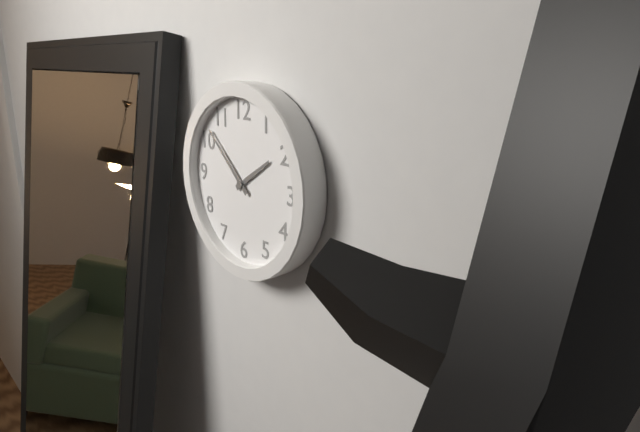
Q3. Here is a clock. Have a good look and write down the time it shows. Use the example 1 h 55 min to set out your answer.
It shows 1 h 52 min
